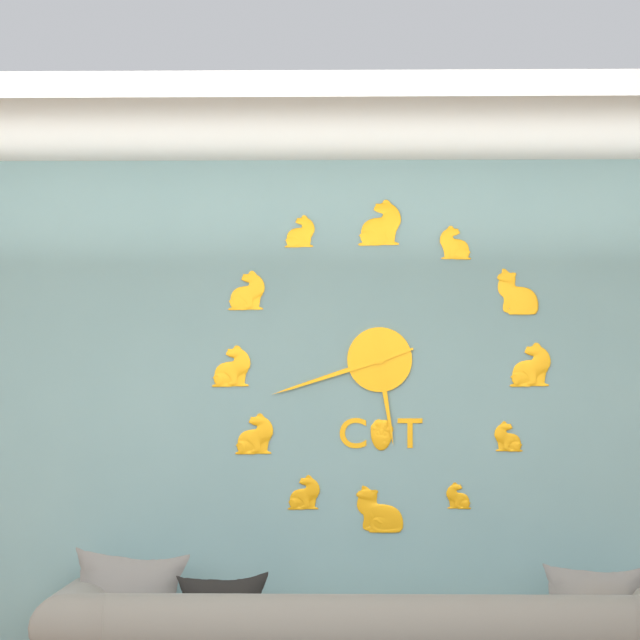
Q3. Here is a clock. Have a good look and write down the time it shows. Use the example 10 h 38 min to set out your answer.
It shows 5 h 42 min
